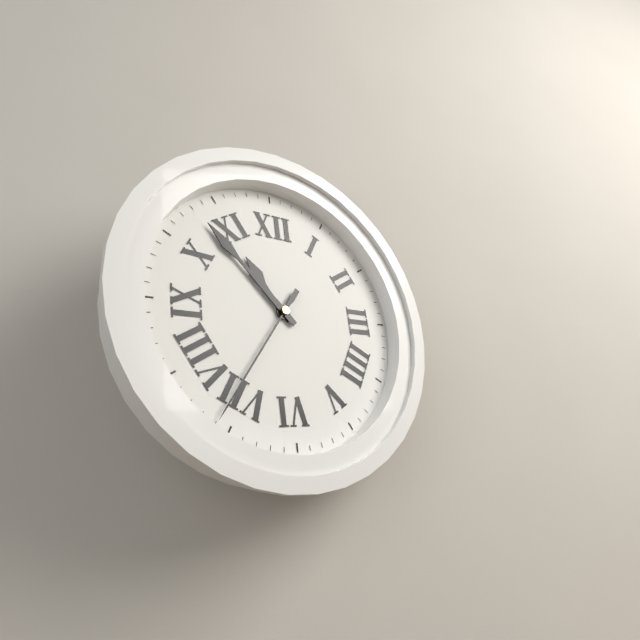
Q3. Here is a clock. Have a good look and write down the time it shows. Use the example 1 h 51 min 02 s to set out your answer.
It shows 10 h 53 min 36 s
